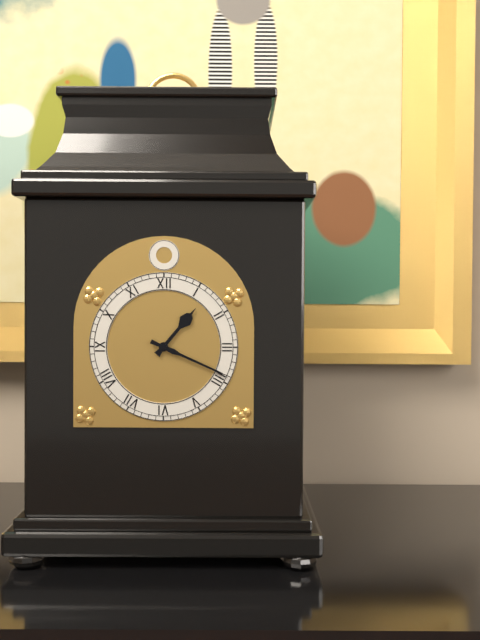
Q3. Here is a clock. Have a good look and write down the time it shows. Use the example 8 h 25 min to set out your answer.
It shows 1 h 19 min
